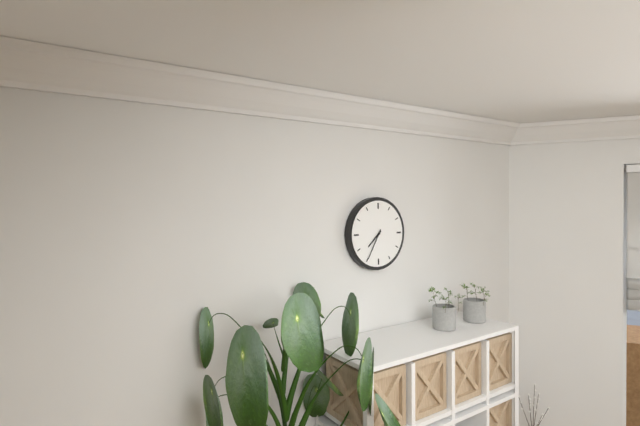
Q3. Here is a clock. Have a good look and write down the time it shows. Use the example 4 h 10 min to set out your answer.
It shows 7 h 35 min
